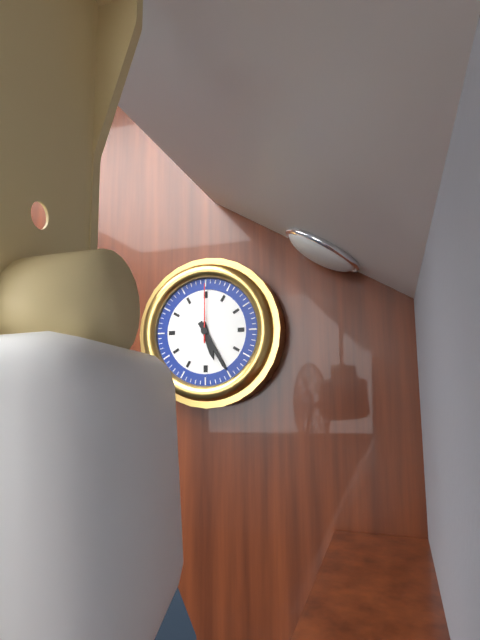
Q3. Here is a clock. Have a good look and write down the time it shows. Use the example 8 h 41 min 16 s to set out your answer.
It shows 5 h 25 min 00 s
